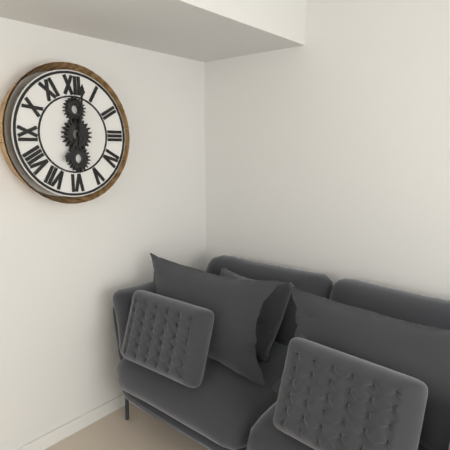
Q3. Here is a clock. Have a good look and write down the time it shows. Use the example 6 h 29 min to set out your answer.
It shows 7 h 01 min
